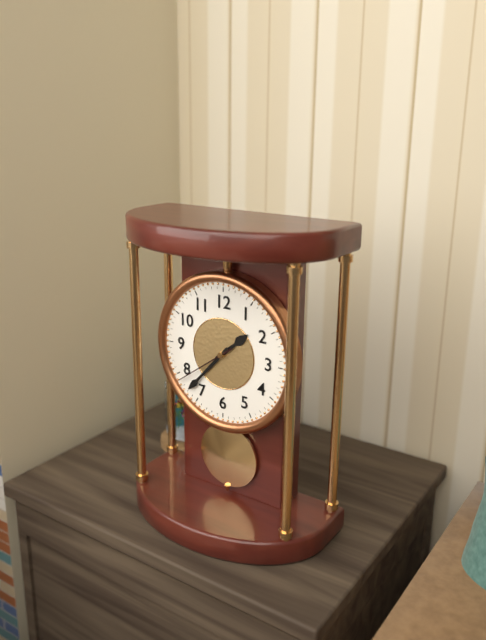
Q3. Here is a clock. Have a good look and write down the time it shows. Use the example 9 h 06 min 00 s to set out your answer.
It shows 1 h 37 min 39 s
